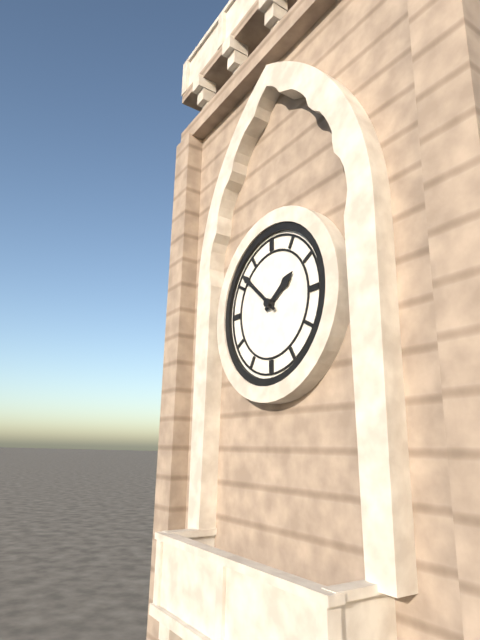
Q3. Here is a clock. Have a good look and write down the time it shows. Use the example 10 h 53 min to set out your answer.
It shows 1 h 52 min
